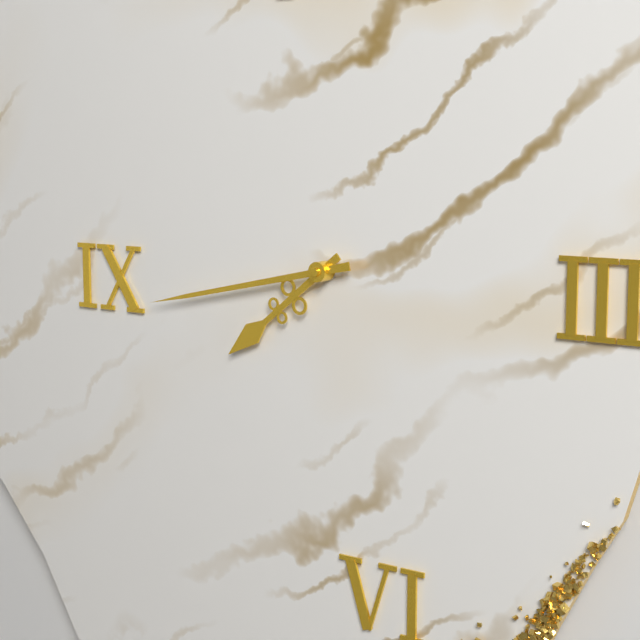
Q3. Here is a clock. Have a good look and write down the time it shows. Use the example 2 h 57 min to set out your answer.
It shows 7 h 43 min
